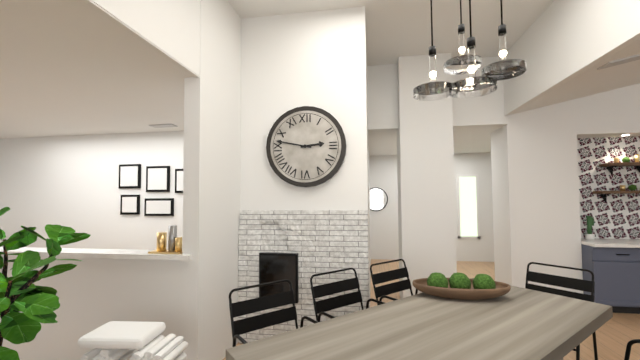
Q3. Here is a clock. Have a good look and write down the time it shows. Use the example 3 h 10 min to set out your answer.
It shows 2 h 47 min
